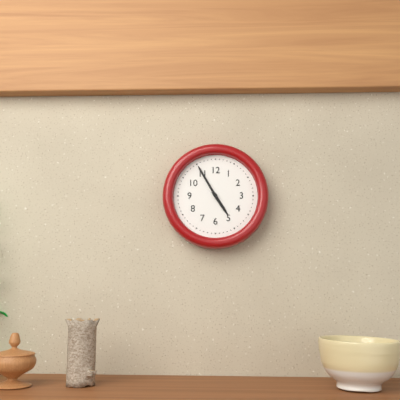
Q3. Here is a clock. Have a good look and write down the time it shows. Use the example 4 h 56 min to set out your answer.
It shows 4 h 55 min
